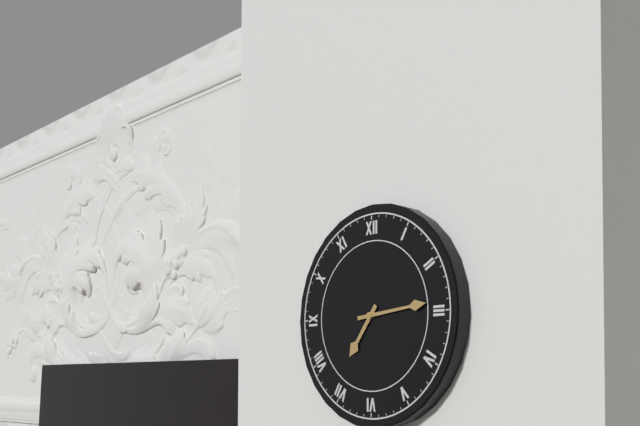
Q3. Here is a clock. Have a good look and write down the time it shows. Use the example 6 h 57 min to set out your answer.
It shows 7 h 14 min
